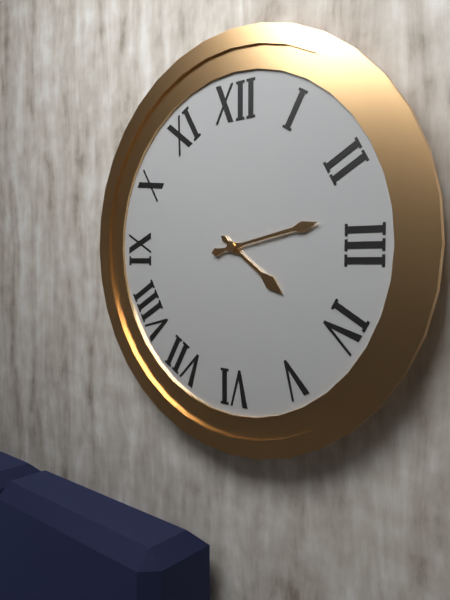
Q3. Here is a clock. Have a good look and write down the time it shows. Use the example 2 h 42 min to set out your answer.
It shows 4 h 13 min
